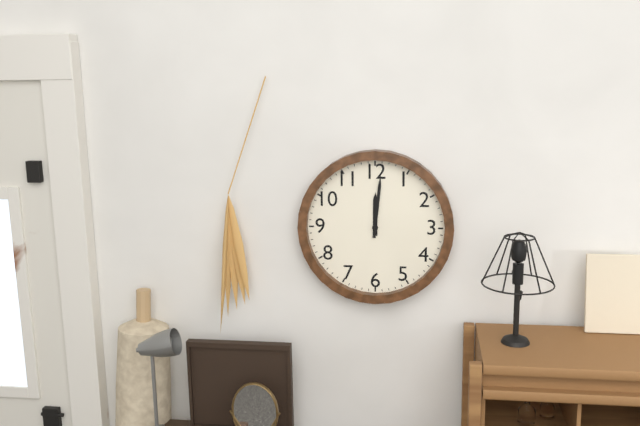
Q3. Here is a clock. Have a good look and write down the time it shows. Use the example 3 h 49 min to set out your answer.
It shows 12 h 01 min
